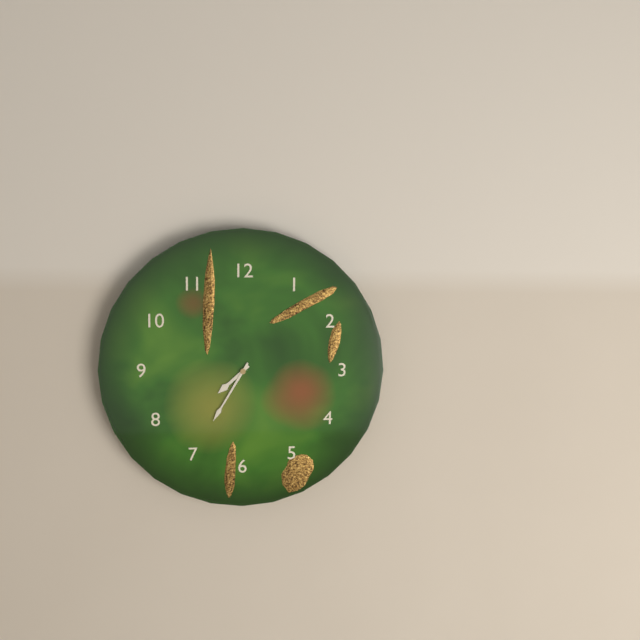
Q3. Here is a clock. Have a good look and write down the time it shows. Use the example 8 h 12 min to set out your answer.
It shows 7 h 35 min
